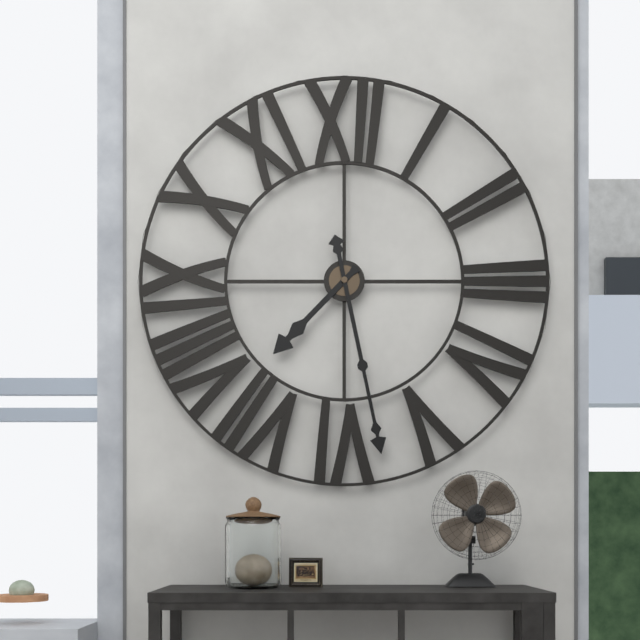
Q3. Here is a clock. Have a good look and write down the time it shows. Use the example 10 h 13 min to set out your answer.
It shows 7 h 28 min
